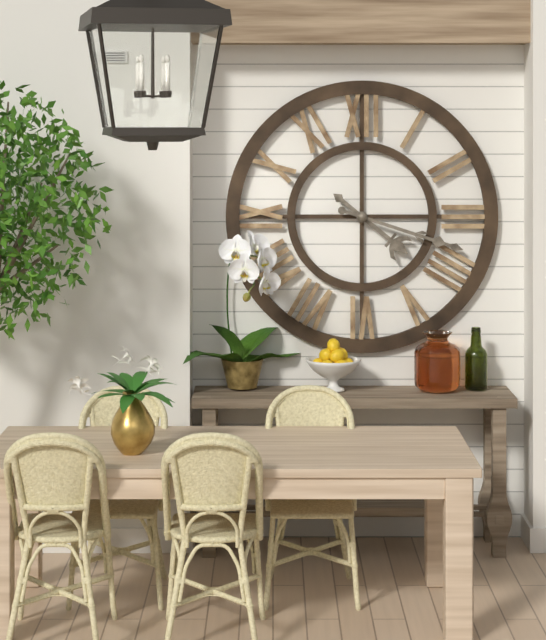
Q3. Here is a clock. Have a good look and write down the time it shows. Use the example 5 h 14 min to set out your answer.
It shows 4 h 18 min
